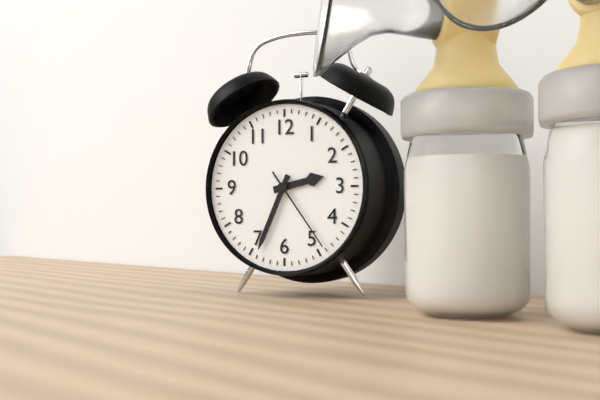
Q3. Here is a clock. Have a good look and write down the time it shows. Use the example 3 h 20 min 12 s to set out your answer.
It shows 2 h 34 min 24 s
